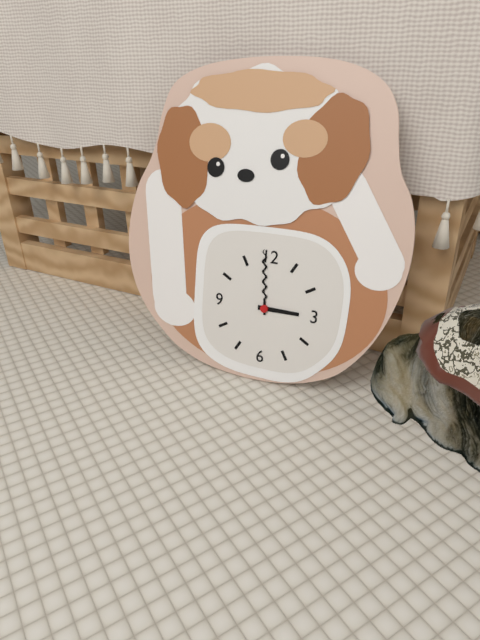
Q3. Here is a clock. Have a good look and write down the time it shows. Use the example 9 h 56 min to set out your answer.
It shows 2 h 59 min
